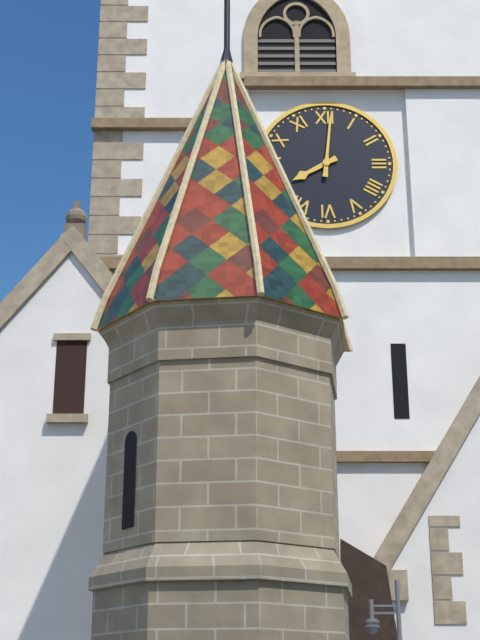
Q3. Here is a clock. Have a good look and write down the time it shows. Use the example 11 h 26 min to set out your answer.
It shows 8 h 01 min
